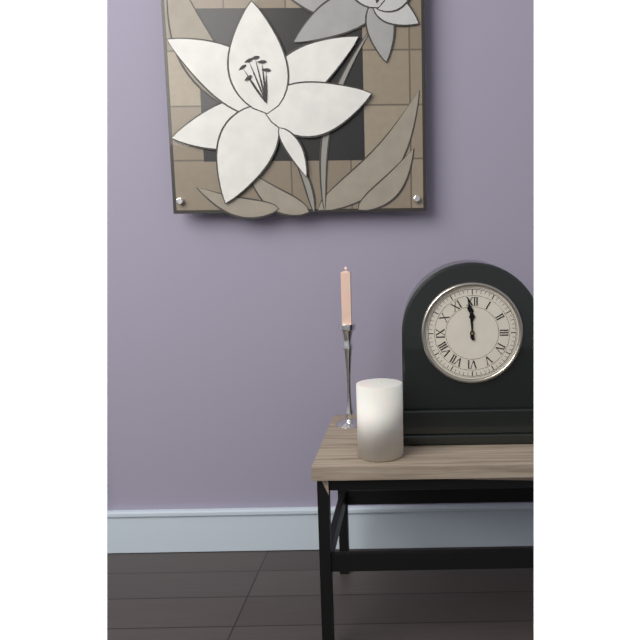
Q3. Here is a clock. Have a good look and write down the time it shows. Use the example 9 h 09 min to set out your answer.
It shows 11 h 59 min
